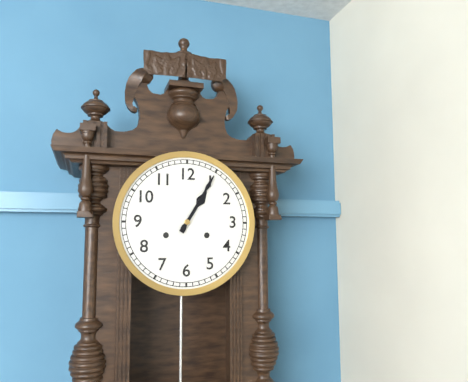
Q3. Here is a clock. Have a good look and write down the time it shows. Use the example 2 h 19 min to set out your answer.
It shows 1 h 05 min
